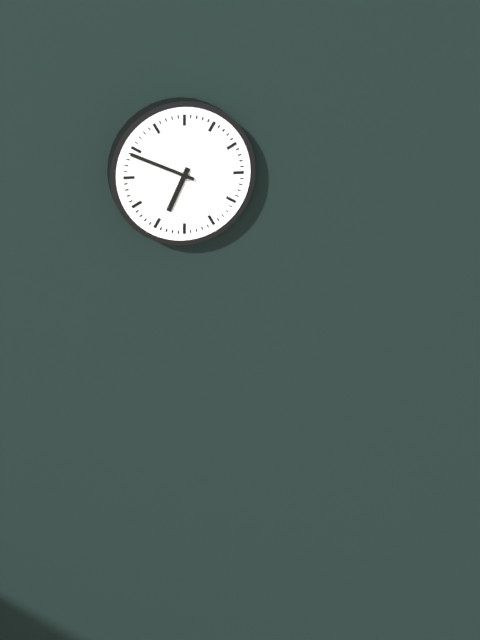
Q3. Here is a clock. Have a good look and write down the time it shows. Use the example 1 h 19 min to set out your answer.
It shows 6 h 49 min
